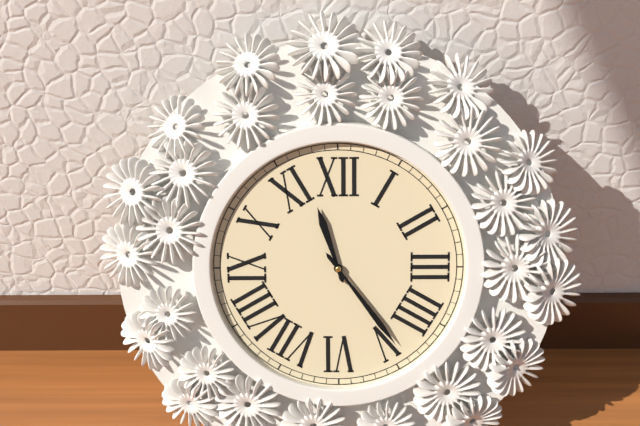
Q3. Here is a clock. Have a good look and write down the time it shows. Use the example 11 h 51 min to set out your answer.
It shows 11 h 24 min
